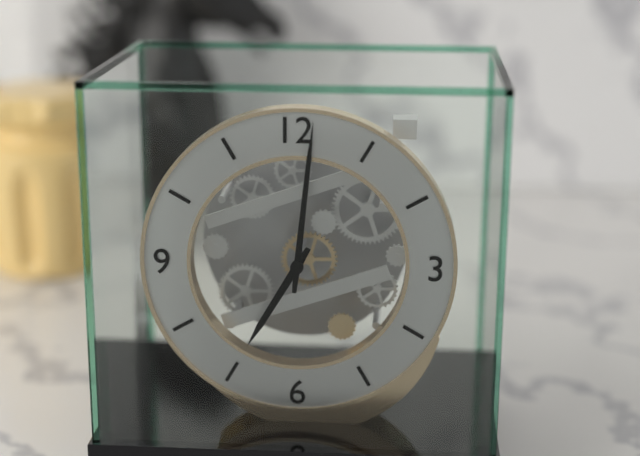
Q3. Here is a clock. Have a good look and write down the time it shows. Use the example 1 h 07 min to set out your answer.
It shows 7 h 01 min
